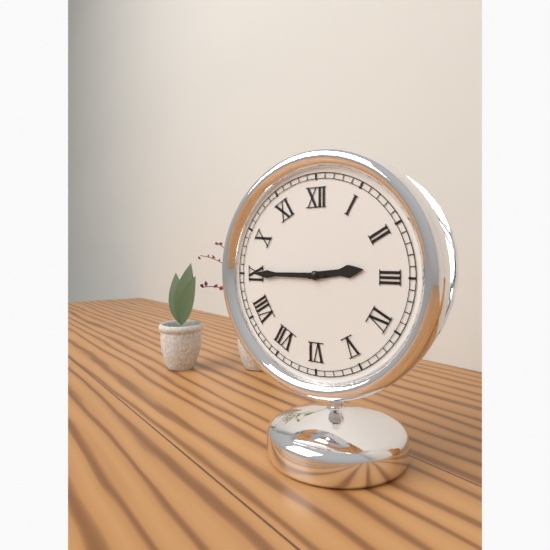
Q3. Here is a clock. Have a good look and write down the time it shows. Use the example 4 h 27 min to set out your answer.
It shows 2 h 45 min
